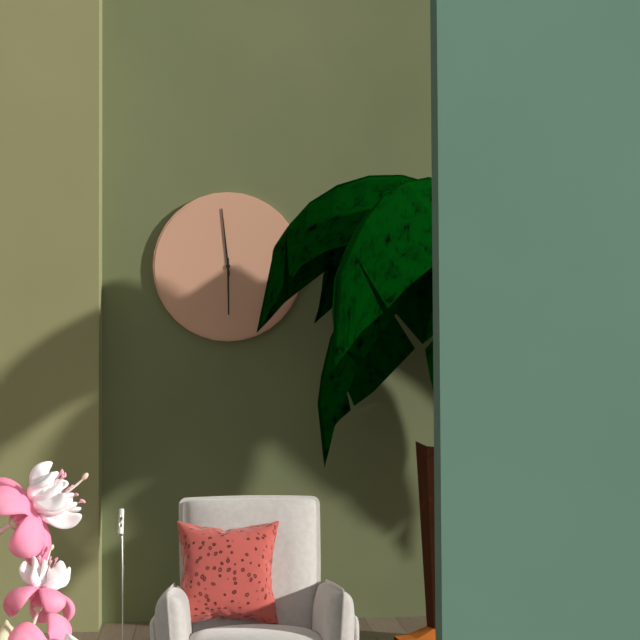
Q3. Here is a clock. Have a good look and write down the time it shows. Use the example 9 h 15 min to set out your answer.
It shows 5 h 59 min
